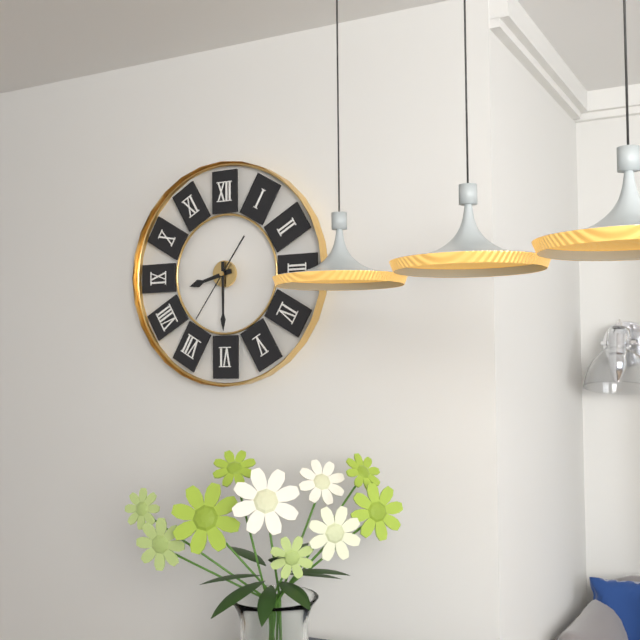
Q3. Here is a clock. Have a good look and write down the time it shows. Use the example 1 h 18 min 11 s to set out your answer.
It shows 8 h 30 min 36 s
